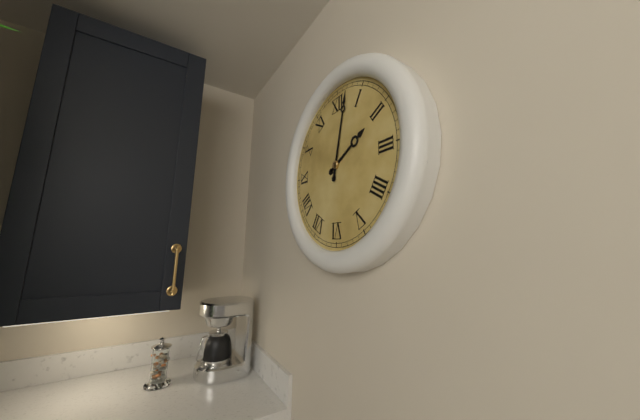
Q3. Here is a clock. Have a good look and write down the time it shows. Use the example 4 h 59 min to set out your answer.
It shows 2 h 02 min
